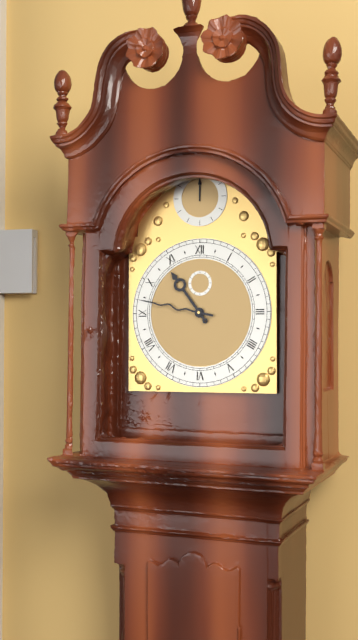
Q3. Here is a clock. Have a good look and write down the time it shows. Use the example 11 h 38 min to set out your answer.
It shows 10 h 47 min
